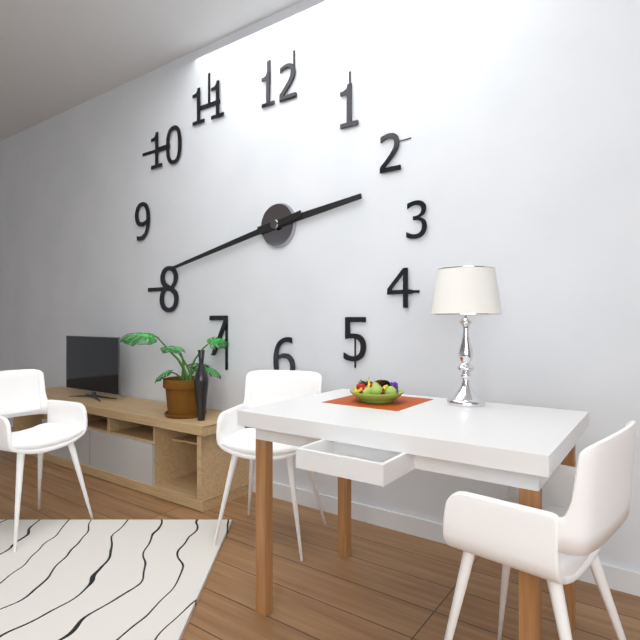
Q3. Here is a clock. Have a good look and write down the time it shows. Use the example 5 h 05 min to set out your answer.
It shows 2 h 43 min
